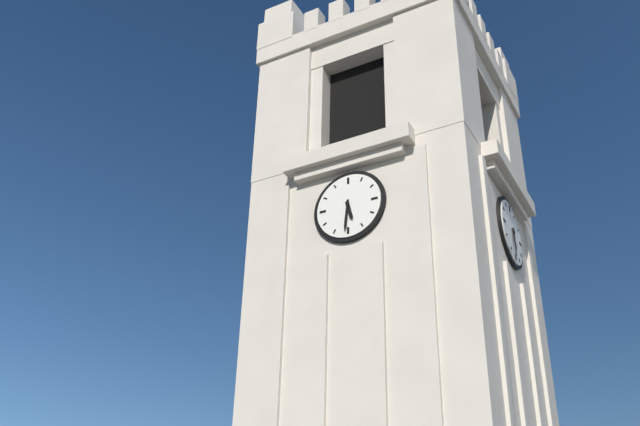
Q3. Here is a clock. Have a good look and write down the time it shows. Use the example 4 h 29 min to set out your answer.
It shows 5 h 31 min
